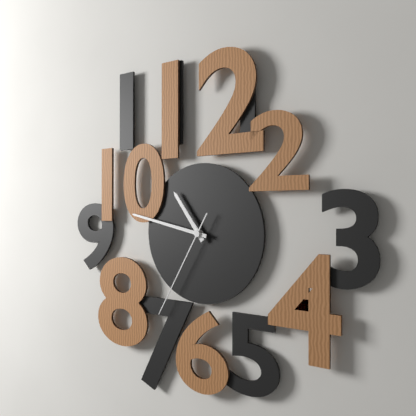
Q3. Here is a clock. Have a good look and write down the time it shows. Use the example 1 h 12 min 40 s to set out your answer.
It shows 10 h 47 min 35 s
